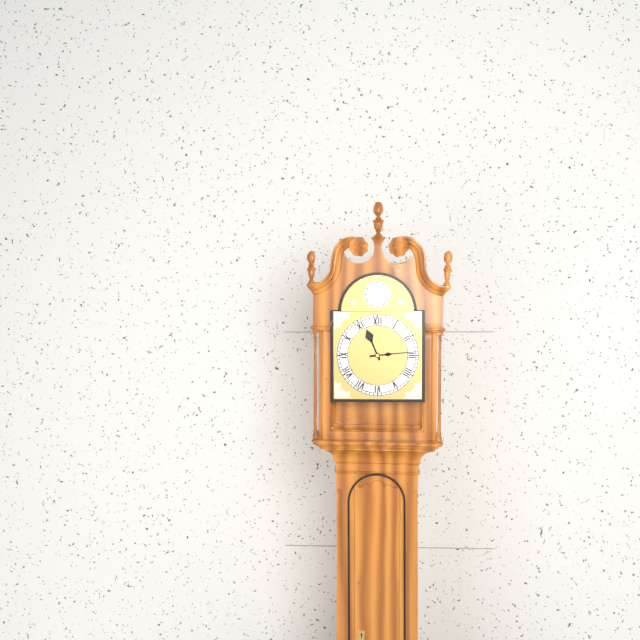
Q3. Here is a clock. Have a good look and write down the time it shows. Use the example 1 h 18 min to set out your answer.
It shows 11 h 14 min
